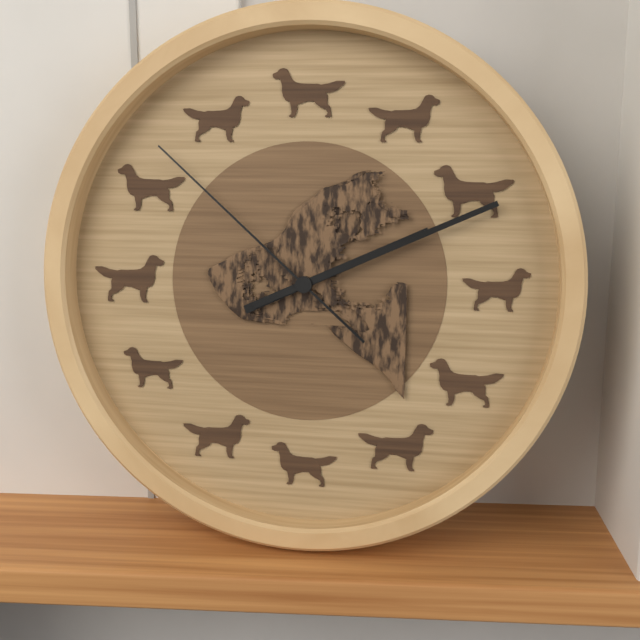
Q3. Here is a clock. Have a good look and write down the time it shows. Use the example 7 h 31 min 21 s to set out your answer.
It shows 2 h 11 min 52 s
